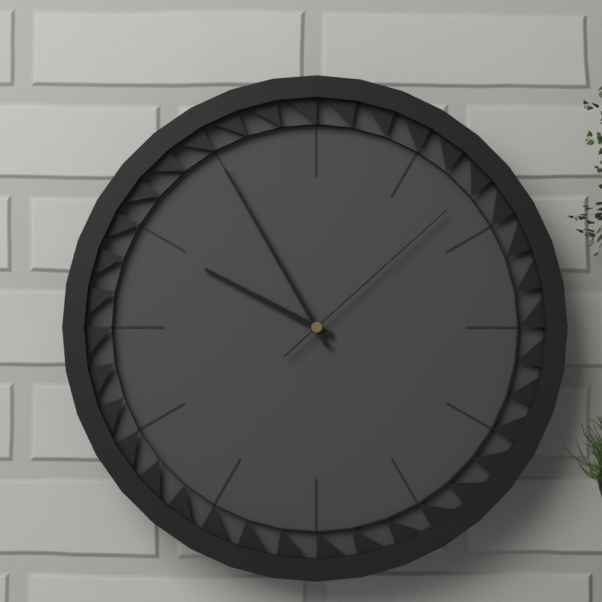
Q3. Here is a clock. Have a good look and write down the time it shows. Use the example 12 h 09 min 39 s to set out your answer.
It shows 9 h 55 min 08 s
